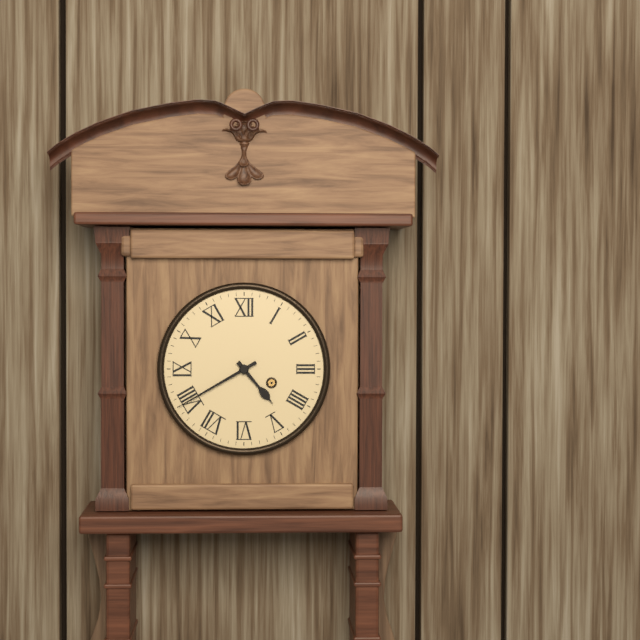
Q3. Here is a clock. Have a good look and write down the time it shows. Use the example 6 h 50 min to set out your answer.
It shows 4 h 40 min
